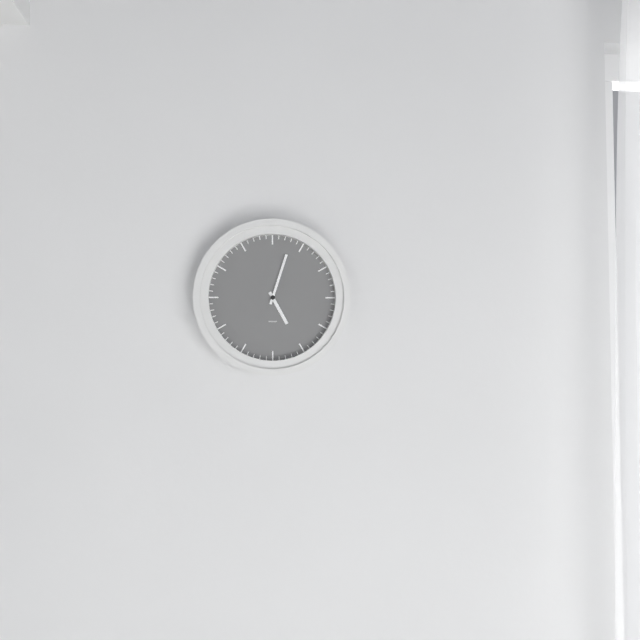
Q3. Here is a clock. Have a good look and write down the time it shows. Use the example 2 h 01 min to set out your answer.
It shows 5 h 03 min
